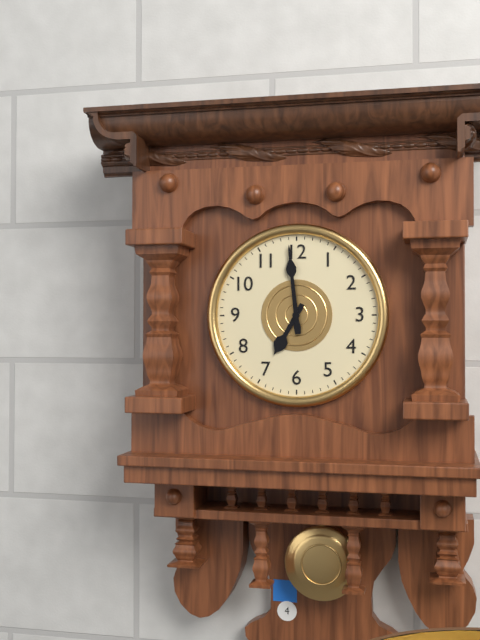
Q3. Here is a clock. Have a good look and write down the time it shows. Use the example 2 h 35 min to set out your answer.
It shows 6 h 59 min
